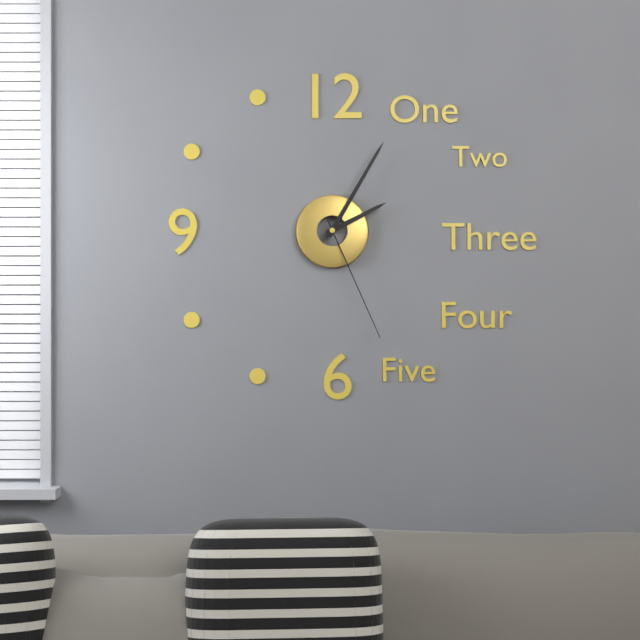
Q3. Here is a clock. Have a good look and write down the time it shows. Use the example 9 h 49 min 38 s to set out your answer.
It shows 2 h 05 min 26 s
